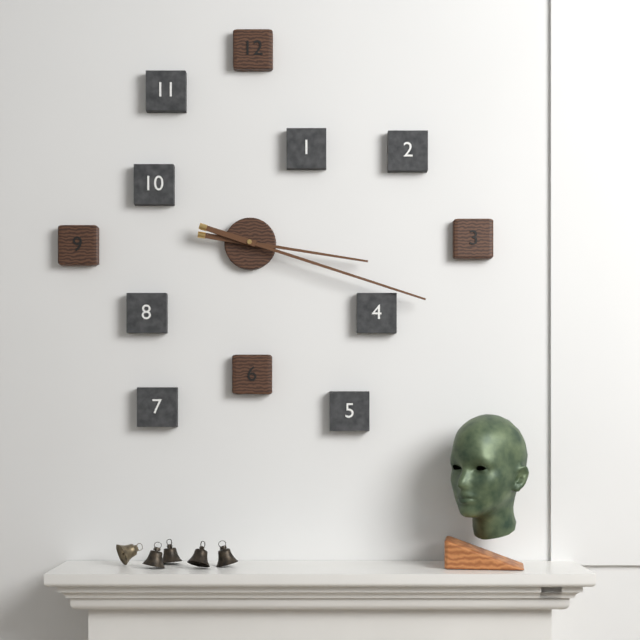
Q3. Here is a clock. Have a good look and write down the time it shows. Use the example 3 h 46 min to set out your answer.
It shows 3 h 18 min
